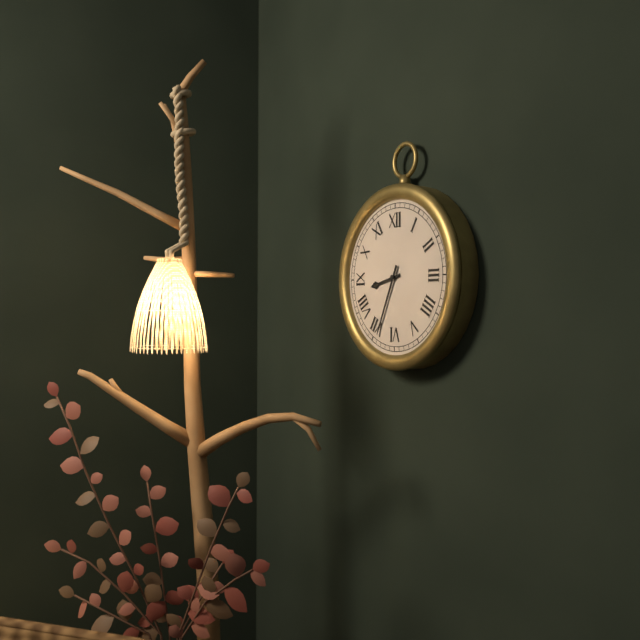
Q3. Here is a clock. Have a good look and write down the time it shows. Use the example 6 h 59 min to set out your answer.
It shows 8 h 34 min
